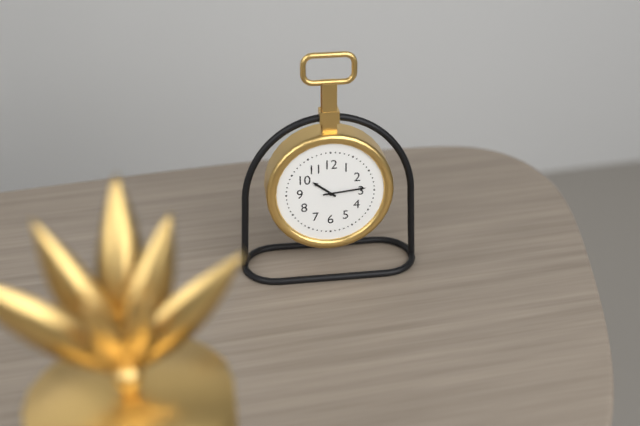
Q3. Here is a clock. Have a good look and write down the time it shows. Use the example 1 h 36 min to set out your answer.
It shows 10 h 14 min
